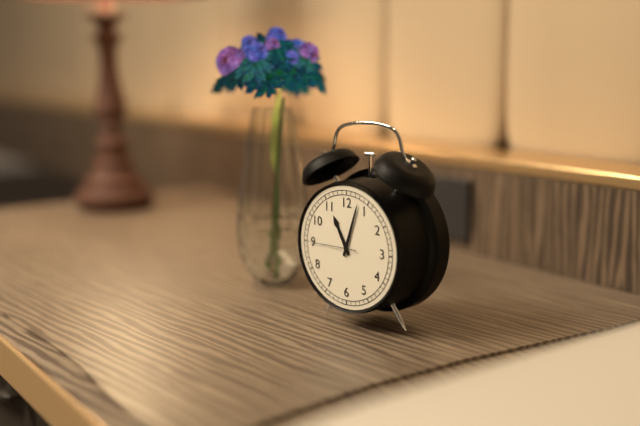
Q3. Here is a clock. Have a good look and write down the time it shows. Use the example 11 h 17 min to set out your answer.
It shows 11 h 03 min
